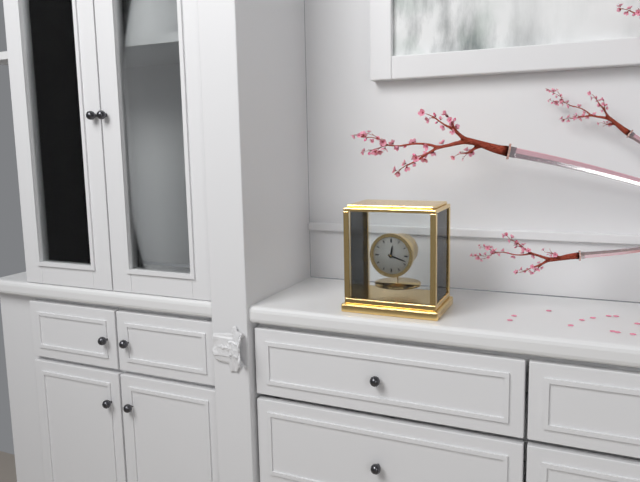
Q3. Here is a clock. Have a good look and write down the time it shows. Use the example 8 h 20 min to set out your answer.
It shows 12 h 18 min
